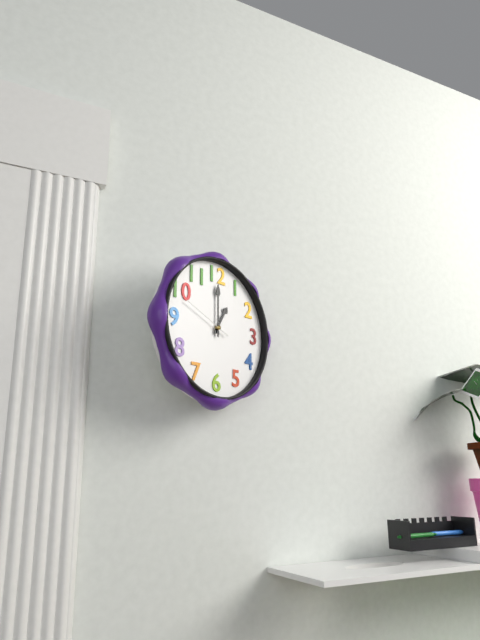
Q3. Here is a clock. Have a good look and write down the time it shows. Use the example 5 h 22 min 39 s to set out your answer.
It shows 1 h 00 min 49 s
